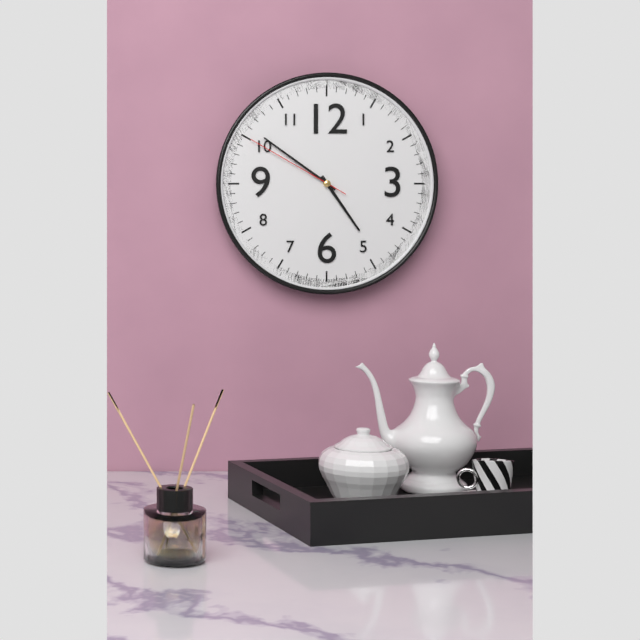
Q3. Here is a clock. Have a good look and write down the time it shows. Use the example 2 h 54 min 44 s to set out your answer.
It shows 4 h 51 min 50 s
